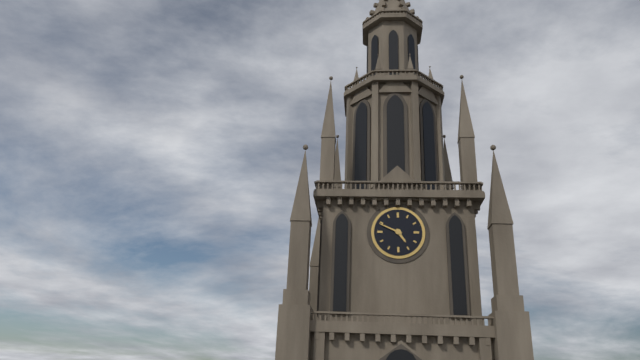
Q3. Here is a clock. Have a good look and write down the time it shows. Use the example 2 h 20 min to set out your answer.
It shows 4 h 49 min
